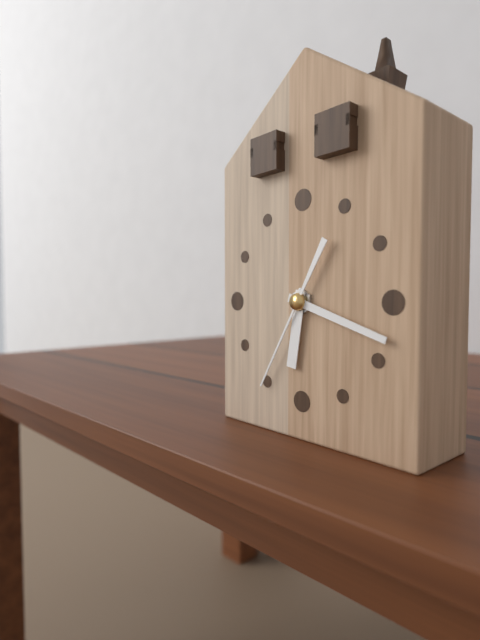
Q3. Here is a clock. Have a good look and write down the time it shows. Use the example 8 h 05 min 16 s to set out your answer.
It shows 6 h 18 min 35 s
